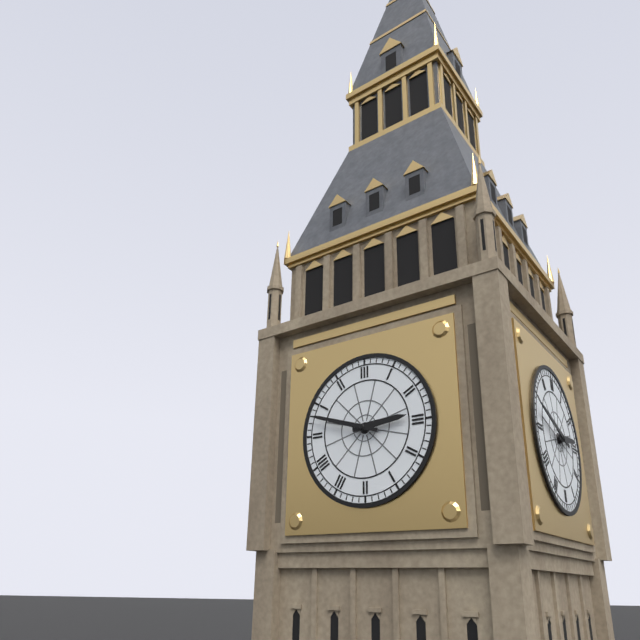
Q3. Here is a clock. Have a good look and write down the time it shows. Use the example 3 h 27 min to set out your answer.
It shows 2 h 48 min
